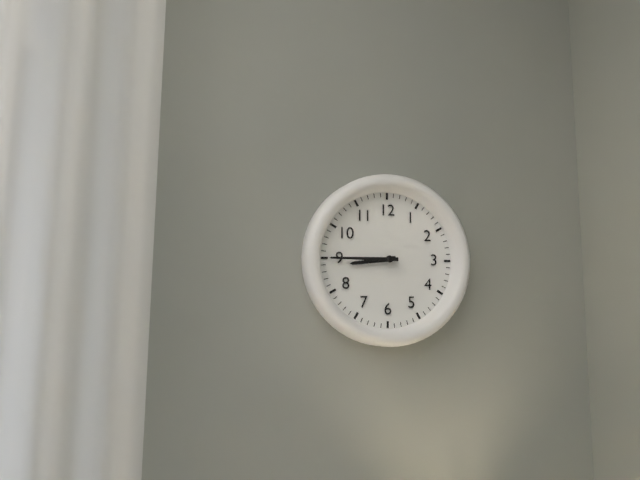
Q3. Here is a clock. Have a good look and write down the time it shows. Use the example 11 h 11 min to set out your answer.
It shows 8 h 45 min
